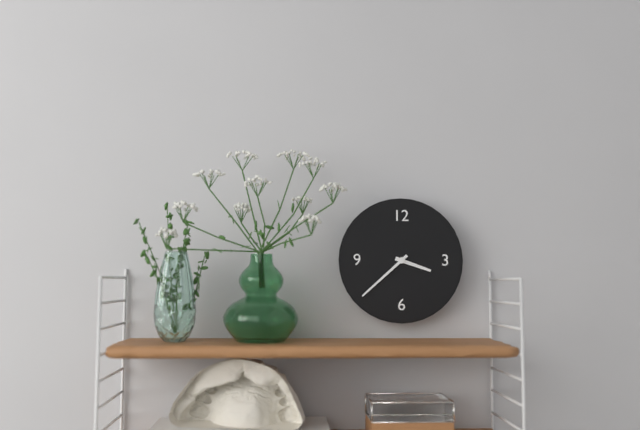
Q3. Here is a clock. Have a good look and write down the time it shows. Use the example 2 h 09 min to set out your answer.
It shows 3 h 38 min
